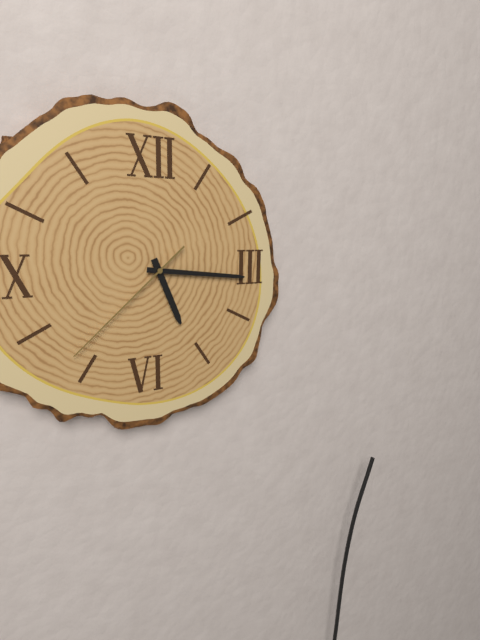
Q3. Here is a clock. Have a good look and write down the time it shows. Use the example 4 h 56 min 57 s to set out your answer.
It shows 5 h 16 min 38 s
